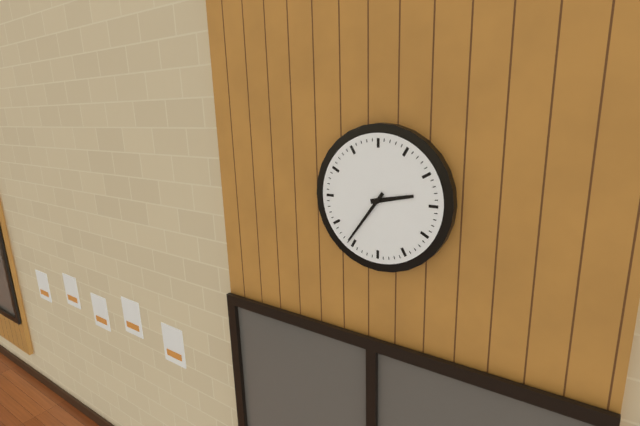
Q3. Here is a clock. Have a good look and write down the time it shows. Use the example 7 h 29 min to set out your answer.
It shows 2 h 36 min
